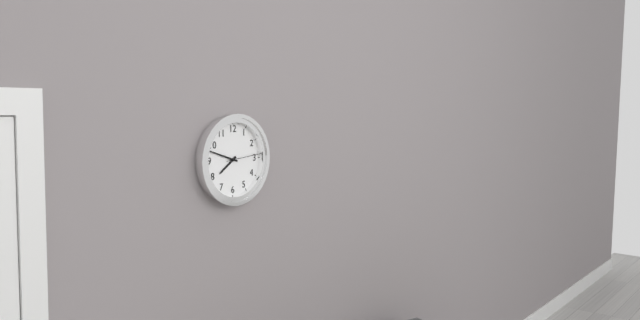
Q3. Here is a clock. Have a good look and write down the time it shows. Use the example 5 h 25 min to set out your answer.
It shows 7 h 48 min
